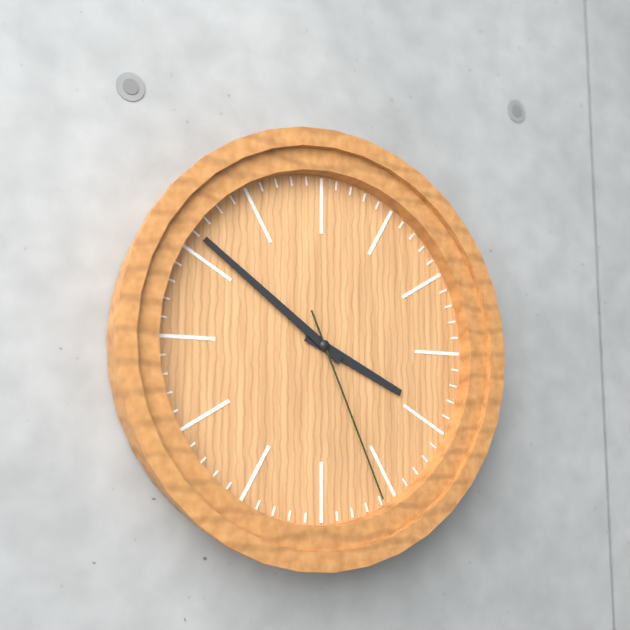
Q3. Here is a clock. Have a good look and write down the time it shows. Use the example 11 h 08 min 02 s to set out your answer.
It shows 3 h 51 min 26 s
